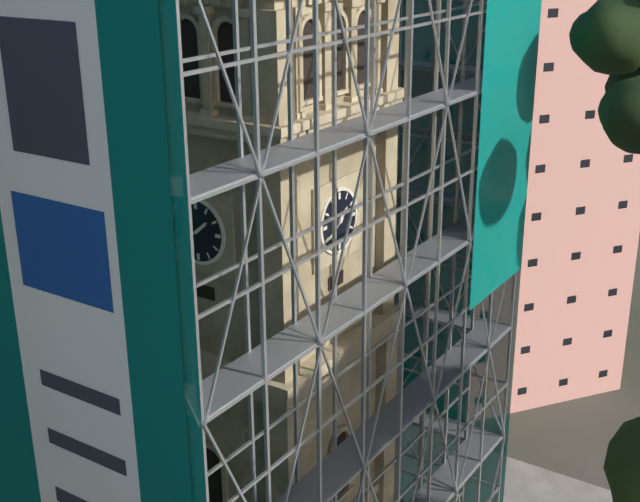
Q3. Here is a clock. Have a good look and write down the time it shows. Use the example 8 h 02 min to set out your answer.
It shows 1 h 40 min
